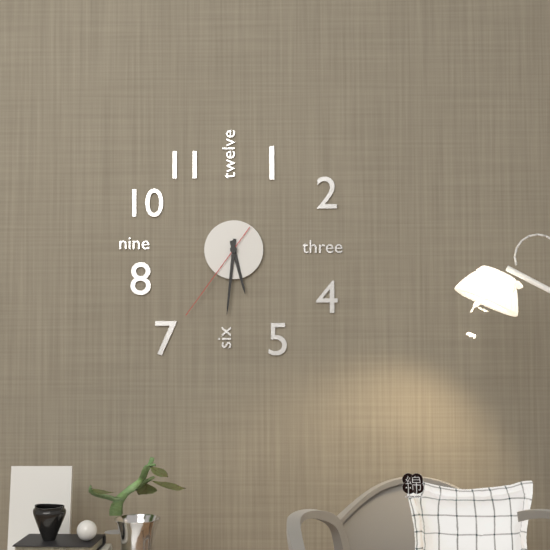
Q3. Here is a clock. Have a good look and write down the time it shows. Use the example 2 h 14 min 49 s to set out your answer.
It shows 5 h 31 min 36 s
